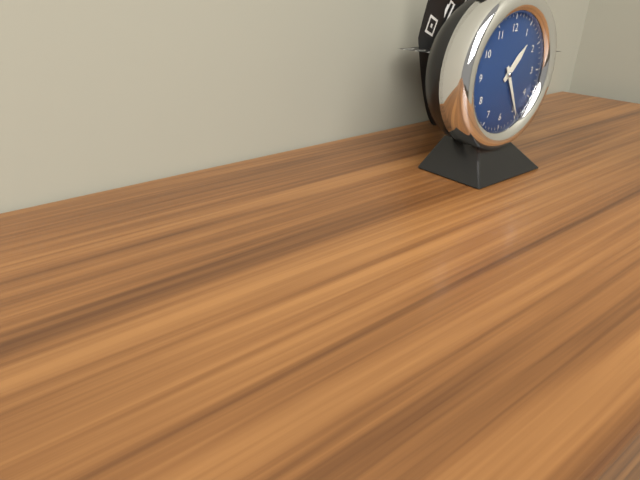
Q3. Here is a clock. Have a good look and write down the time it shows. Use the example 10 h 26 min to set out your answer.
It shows 1 h 25 min
